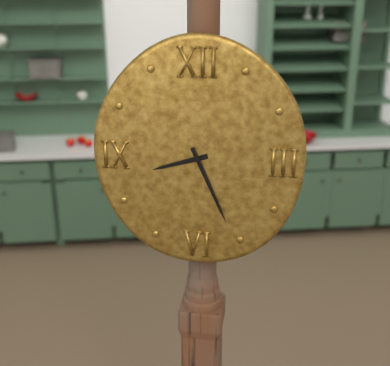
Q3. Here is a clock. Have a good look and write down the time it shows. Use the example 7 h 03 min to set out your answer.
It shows 8 h 26 min
